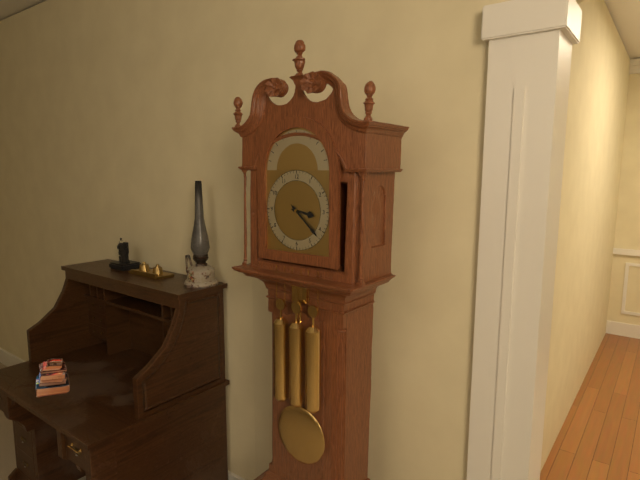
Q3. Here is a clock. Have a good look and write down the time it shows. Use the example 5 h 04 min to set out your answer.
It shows 3 h 22 min
